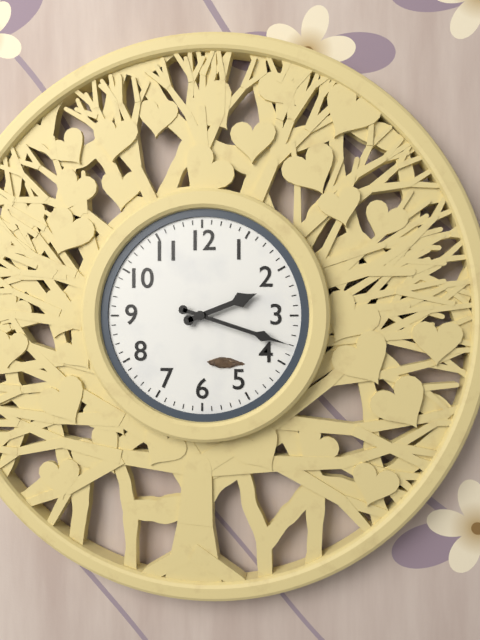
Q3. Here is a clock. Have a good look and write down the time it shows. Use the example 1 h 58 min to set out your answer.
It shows 2 h 18 min
